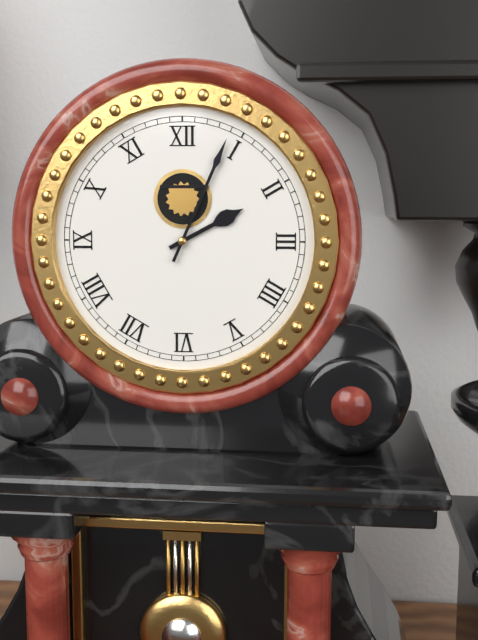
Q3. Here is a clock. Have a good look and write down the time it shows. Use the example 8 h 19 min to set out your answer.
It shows 2 h 04 min
